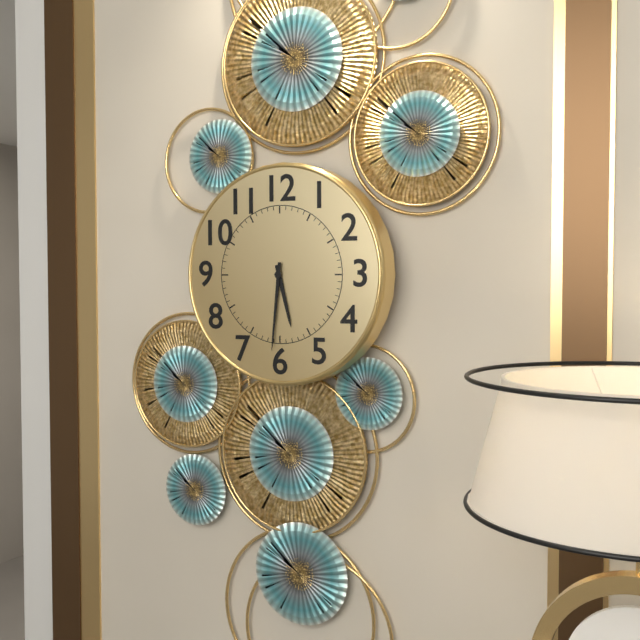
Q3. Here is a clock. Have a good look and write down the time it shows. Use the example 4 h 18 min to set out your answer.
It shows 5 h 31 min
